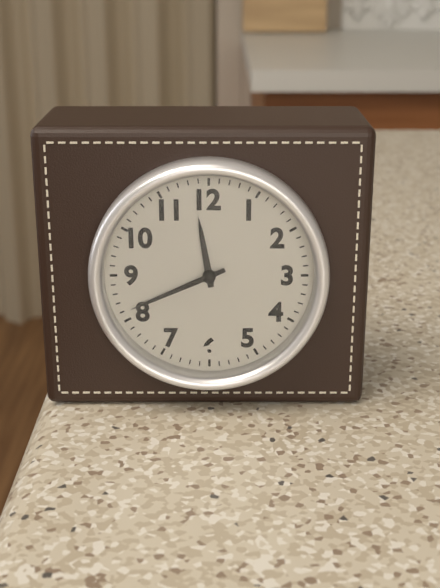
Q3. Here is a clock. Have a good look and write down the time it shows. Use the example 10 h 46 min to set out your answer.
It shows 11 h 41 min
